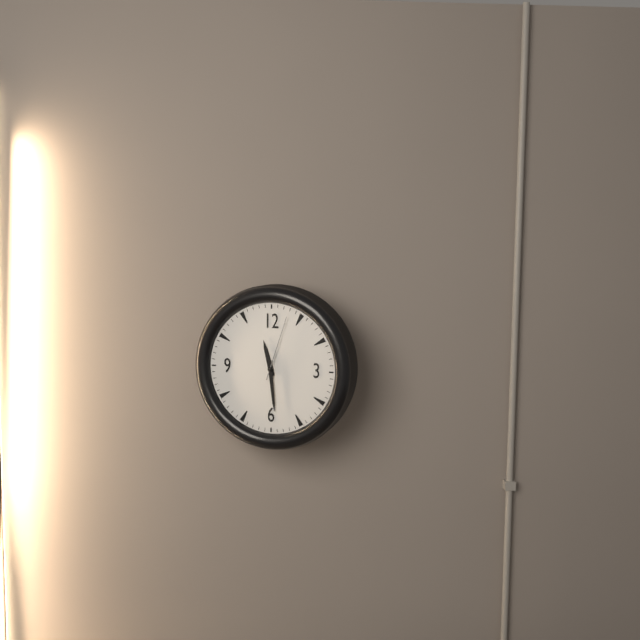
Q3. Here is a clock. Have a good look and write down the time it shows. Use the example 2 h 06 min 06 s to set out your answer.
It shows 11 h 29 min 03 s
